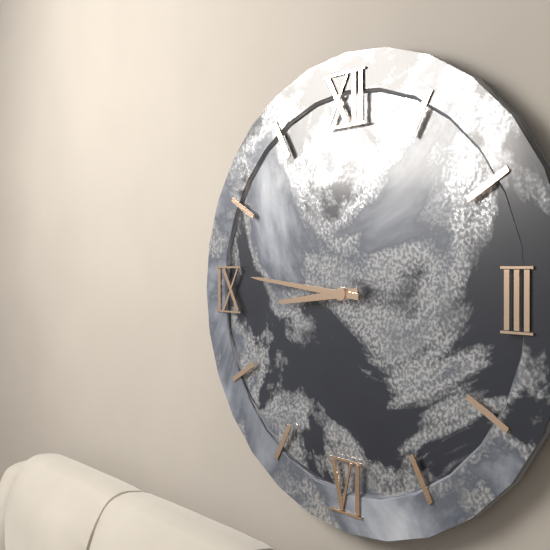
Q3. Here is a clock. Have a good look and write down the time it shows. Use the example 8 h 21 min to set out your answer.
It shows 8 h 46 min
